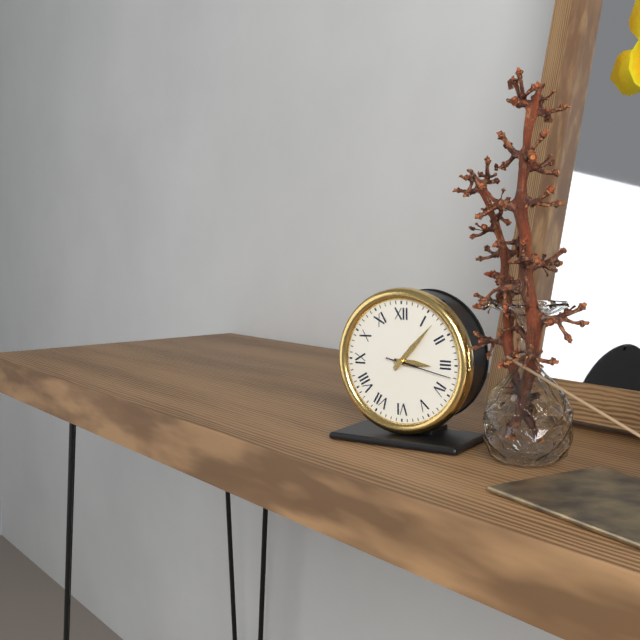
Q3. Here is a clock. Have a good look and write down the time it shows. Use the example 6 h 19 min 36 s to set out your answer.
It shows 3 h 07 min 17 s
